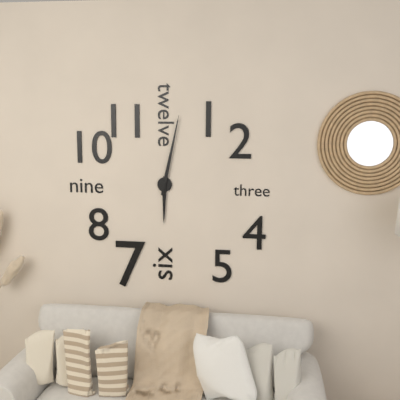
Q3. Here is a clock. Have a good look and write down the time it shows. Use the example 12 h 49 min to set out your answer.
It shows 6 h 02 min
